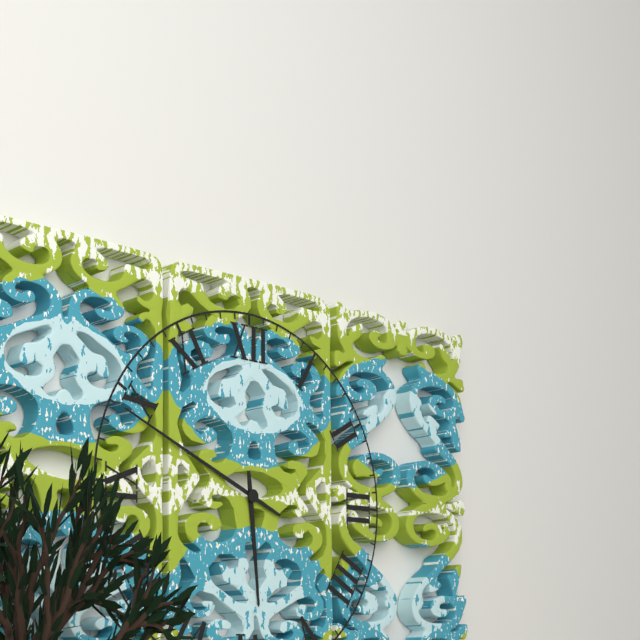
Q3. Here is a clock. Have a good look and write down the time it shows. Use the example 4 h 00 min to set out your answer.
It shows 5 h 49 min
